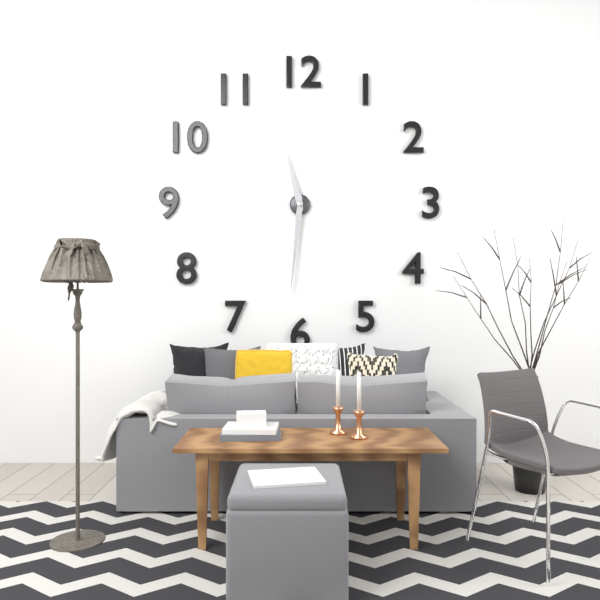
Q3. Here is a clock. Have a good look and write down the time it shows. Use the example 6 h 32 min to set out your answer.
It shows 11 h 31 min
